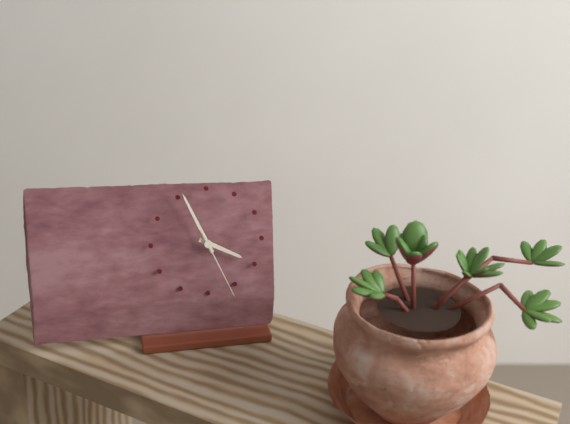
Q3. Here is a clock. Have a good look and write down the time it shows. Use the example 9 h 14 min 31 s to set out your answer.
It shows 3 h 56 min 26 s
